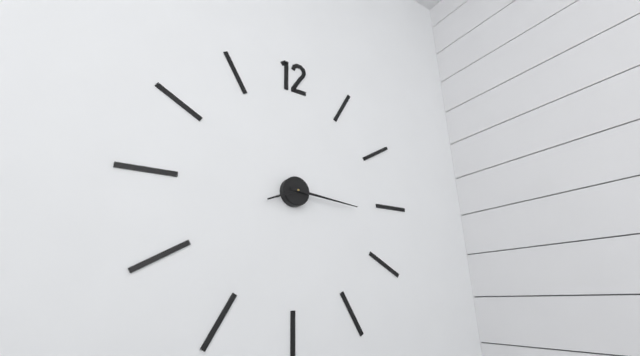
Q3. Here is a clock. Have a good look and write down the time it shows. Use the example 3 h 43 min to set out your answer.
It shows 8 h 16 min
